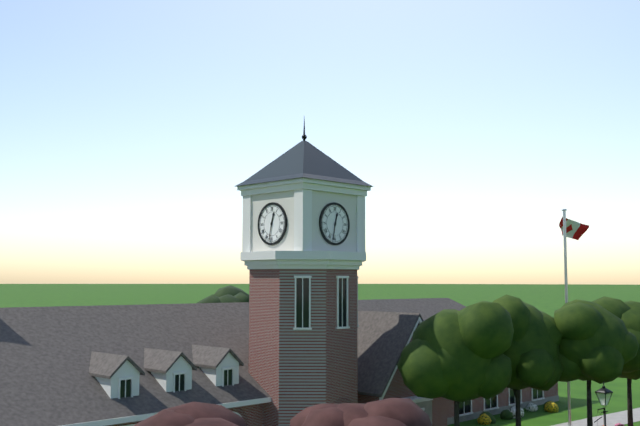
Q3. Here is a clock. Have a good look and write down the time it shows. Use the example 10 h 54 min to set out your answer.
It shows 12 h 32 min
